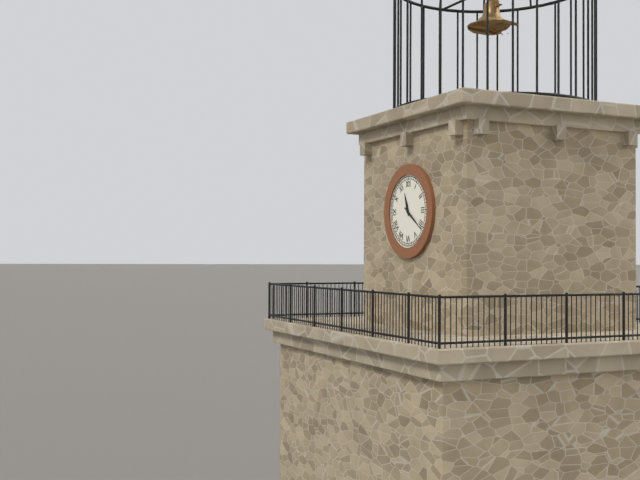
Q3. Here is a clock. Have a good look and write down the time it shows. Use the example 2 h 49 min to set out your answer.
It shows 11 h 21 min
